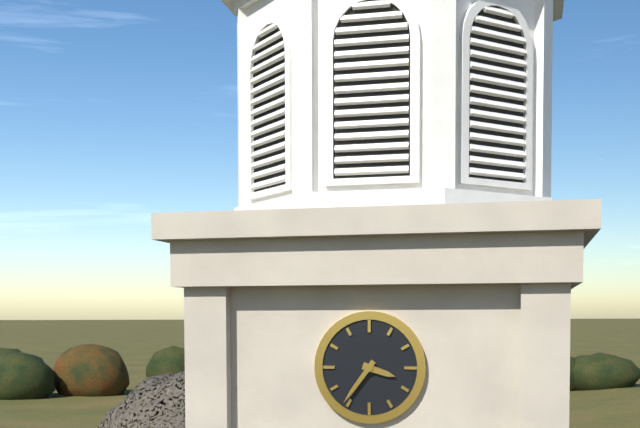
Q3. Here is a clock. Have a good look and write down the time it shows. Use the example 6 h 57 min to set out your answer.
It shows 3 h 36 min
